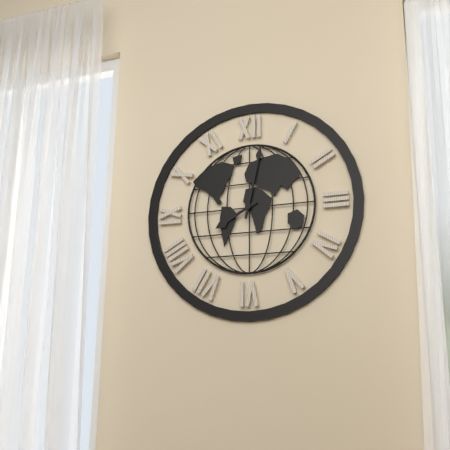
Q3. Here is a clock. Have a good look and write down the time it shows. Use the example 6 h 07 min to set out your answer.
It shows 8 h 02 min
